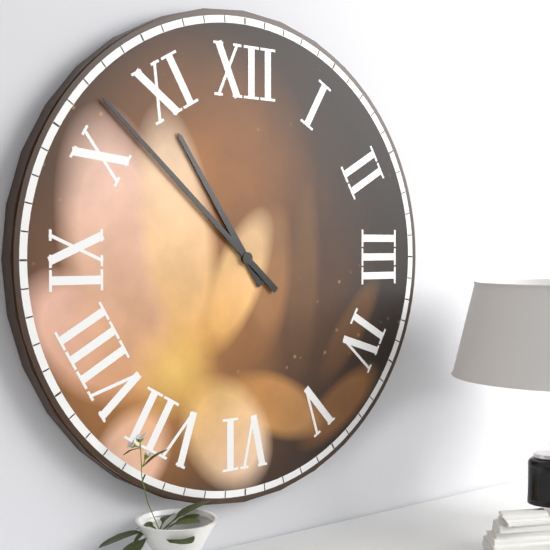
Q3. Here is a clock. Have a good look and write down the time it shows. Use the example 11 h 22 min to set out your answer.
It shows 10 h 52 min
